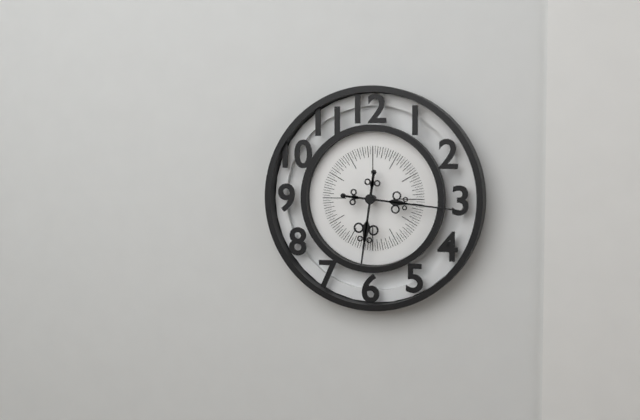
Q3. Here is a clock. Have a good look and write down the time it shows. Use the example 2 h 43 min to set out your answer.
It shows 6 h 16 min
